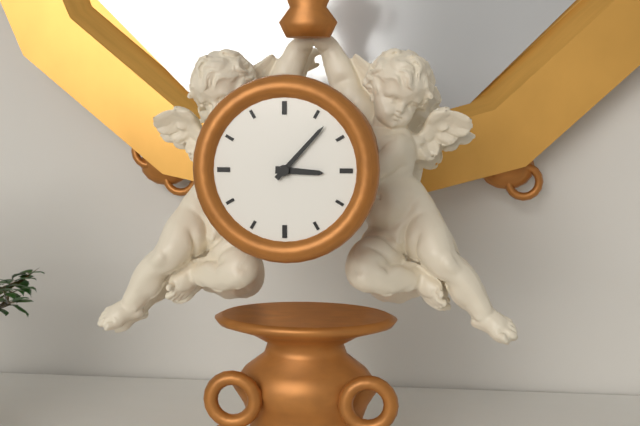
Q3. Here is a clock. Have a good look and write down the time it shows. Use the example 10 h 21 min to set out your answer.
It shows 3 h 07 min
